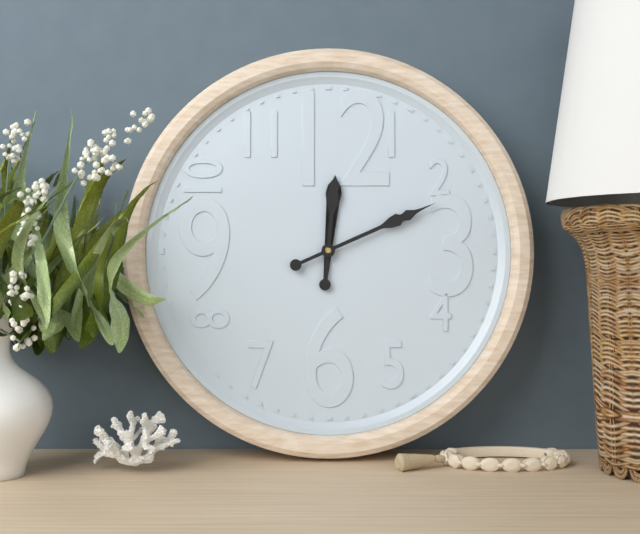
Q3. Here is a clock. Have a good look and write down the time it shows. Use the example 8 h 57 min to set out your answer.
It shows 12 h 11 min
